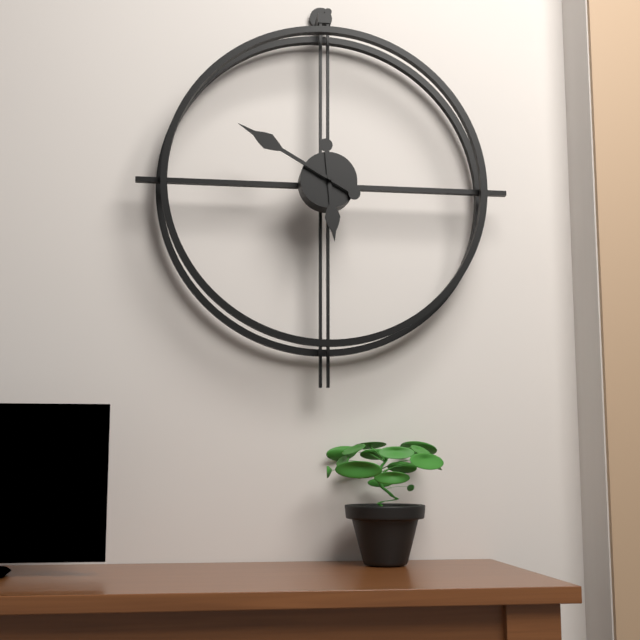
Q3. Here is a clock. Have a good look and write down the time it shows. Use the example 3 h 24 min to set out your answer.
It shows 5 h 50 min
